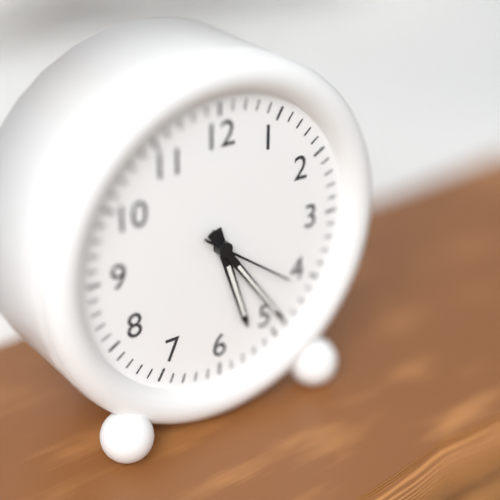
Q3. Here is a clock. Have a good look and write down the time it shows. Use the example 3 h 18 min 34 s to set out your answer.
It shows 5 h 24 min 21 s
